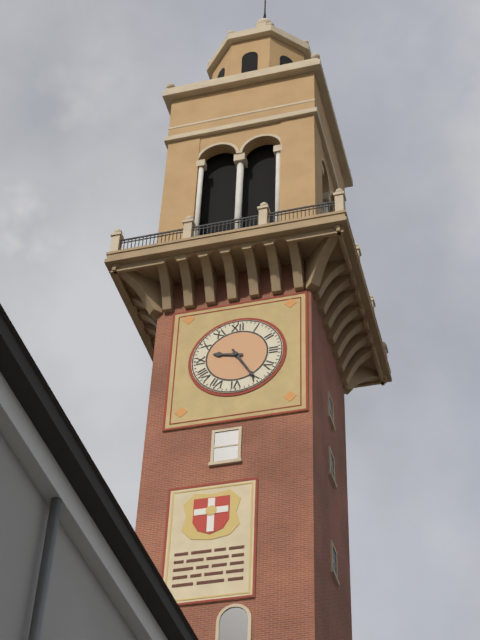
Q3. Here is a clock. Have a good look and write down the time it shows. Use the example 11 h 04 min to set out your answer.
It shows 9 h 25 min
